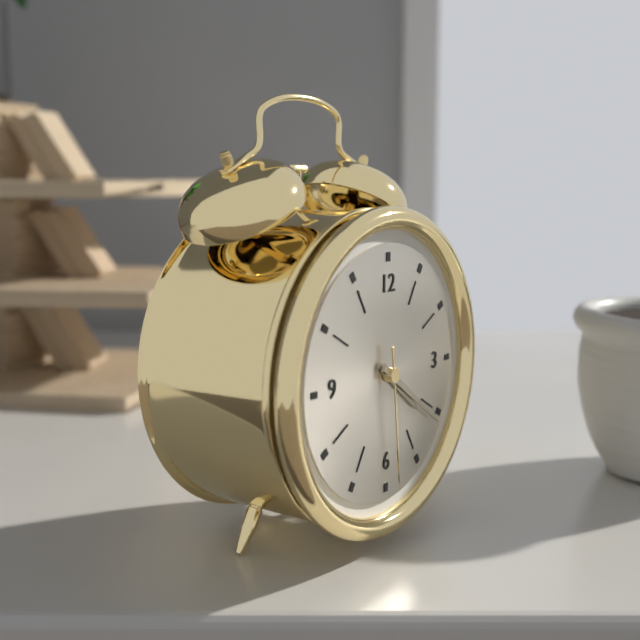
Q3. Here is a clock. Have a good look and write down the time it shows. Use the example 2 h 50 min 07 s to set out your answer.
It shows 4 h 21 min 29 s
